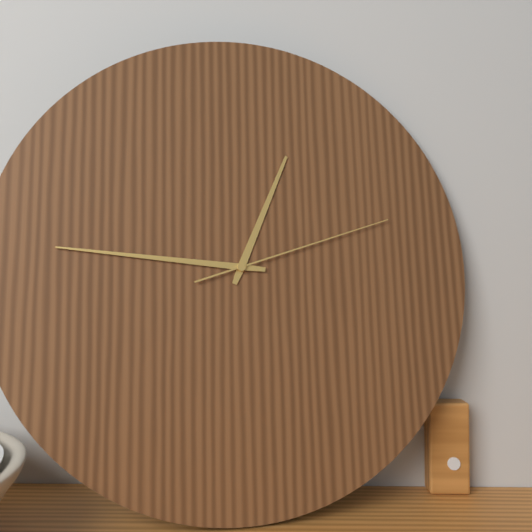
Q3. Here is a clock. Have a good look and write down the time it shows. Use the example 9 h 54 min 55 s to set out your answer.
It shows 12 h 46 min 12 s
